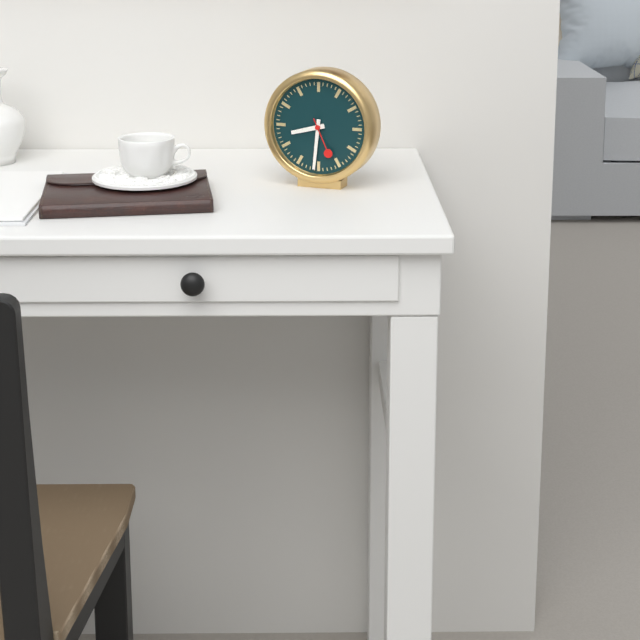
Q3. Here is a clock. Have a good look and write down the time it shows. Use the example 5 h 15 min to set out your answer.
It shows 8 h 31 min
